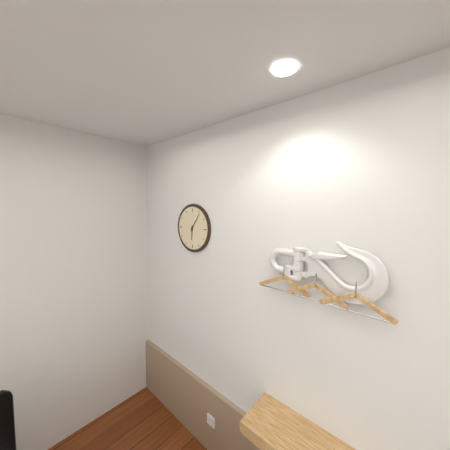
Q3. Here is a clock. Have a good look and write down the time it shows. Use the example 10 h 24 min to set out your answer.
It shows 6 h 06 min
